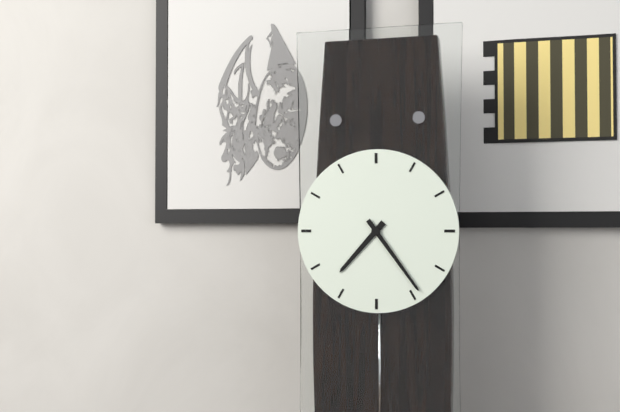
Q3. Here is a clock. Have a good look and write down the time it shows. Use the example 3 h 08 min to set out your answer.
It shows 7 h 24 min
